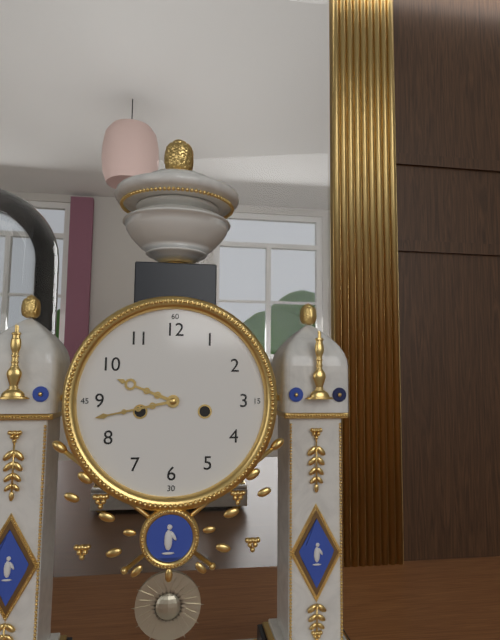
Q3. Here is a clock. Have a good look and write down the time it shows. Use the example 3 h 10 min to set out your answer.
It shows 9 h 43 min
